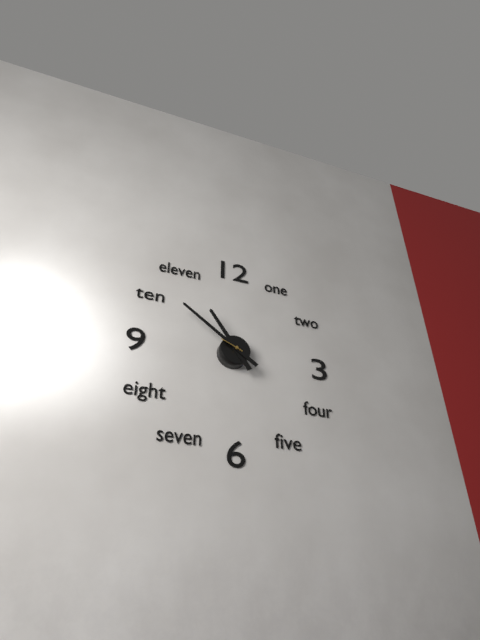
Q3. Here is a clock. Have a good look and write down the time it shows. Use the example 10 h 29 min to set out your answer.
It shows 10 h 51 min
